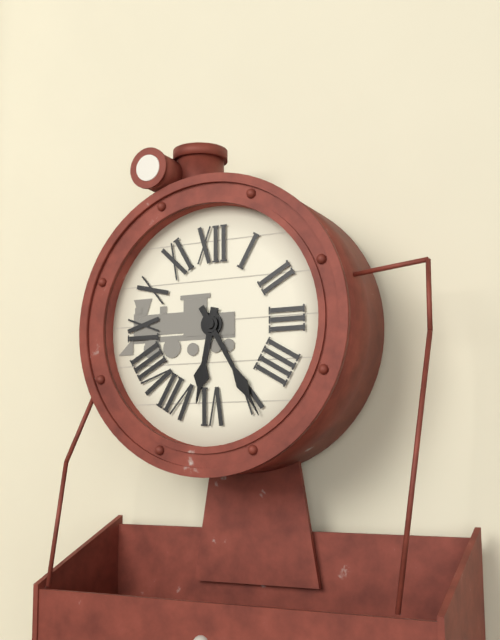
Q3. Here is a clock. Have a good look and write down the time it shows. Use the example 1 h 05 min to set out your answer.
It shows 6 h 25 min
